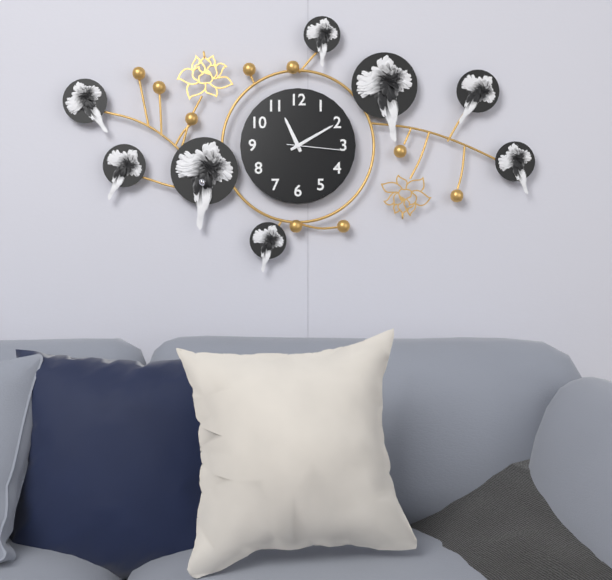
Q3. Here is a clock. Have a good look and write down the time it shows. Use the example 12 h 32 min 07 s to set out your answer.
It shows 11 h 10 min 16 s
